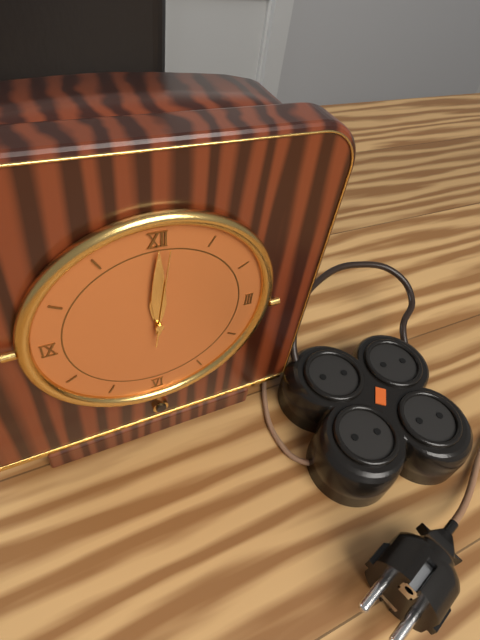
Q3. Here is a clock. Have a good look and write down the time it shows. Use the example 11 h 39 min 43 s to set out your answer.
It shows 12 h 00 min 01 s
